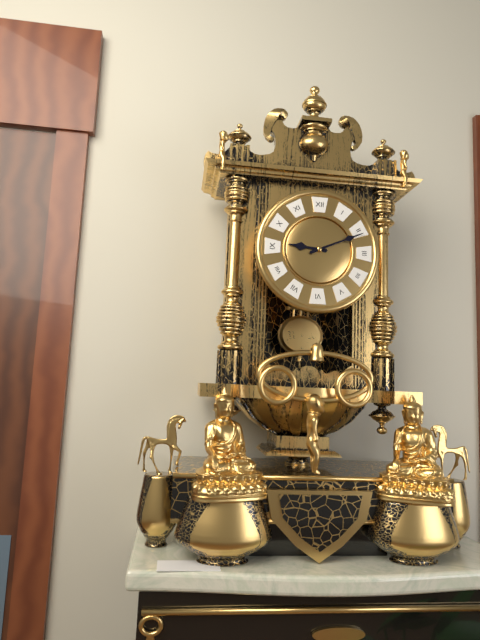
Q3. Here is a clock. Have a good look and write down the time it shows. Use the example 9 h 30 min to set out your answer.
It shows 9 h 11 min
